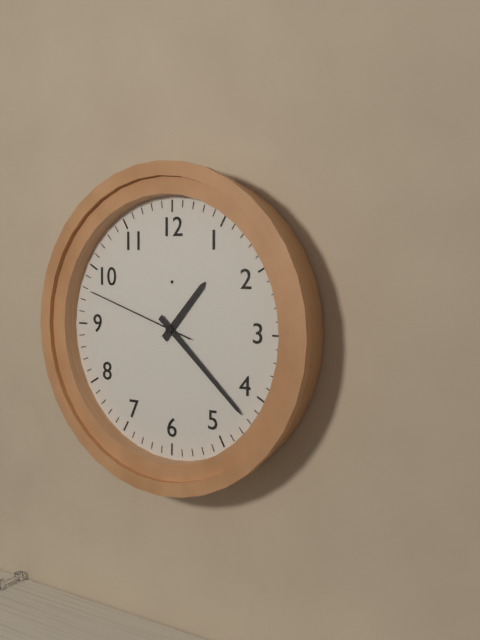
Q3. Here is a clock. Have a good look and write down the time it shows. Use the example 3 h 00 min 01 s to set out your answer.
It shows 1 h 22 min 48 s
